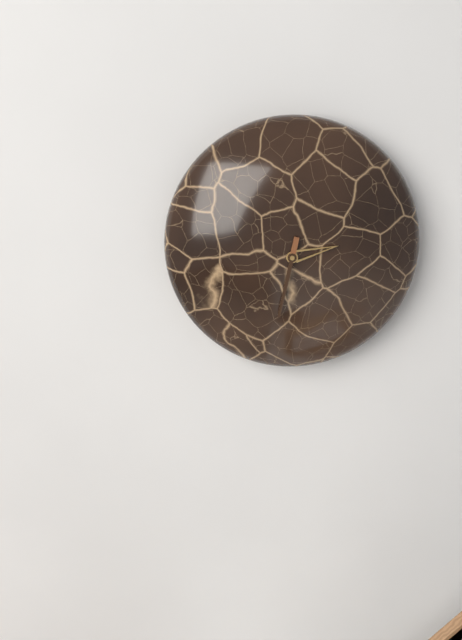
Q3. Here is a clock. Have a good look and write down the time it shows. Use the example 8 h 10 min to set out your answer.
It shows 2 h 32 min
